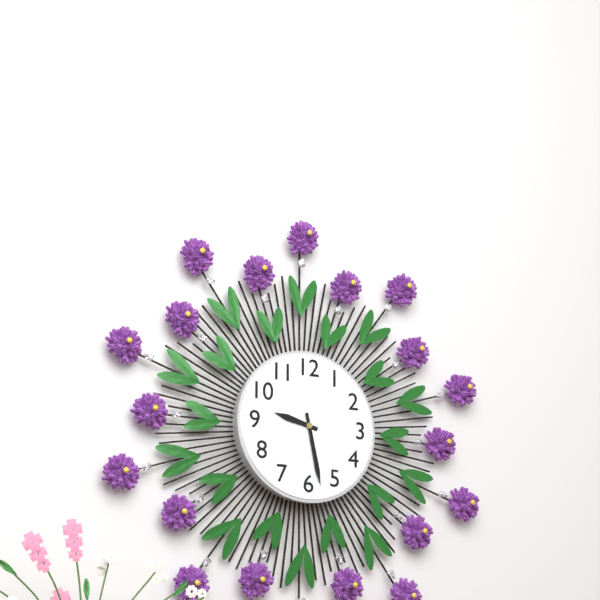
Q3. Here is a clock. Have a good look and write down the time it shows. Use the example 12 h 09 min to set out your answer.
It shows 9 h 28 min
